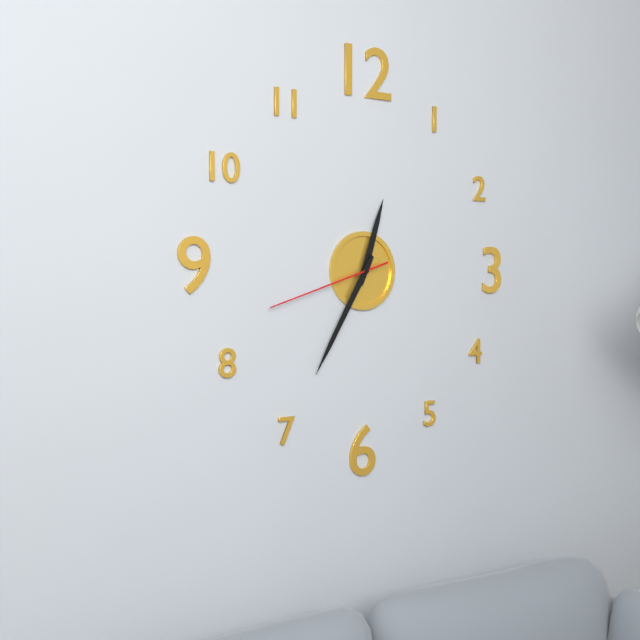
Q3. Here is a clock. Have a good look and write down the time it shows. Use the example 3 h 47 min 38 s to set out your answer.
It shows 12 h 35 min 42 s
